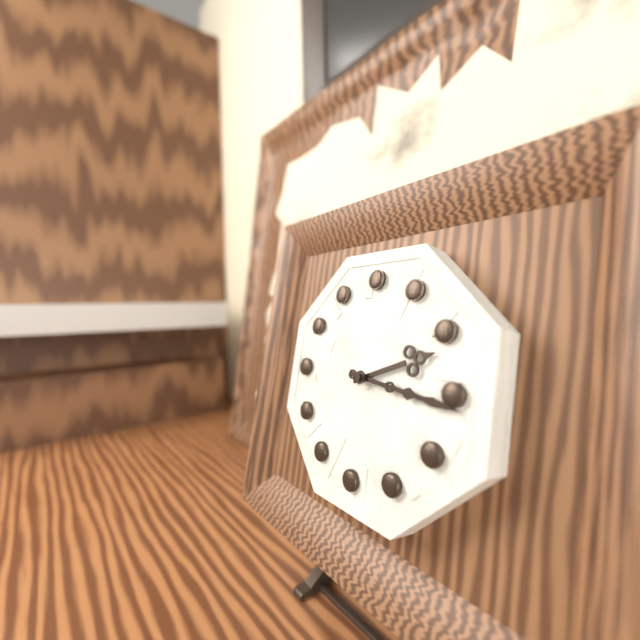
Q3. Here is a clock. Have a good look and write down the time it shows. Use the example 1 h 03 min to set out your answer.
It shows 2 h 16 min
